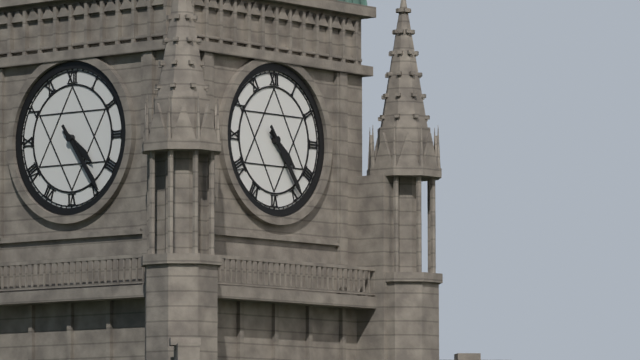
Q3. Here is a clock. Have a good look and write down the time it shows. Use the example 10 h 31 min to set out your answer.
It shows 4 h 24 min
